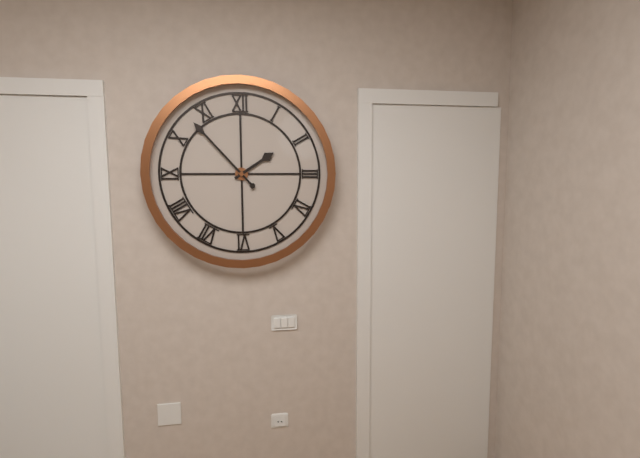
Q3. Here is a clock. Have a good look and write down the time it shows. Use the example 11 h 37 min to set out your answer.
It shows 1 h 53 min
